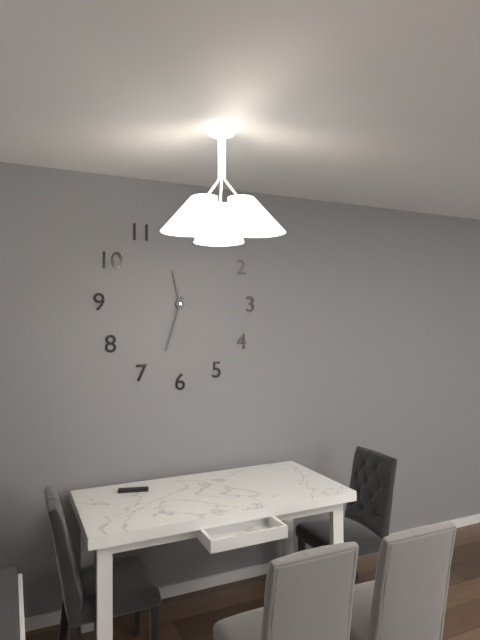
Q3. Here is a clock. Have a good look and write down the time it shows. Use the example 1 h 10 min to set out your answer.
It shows 11 h 33 min
